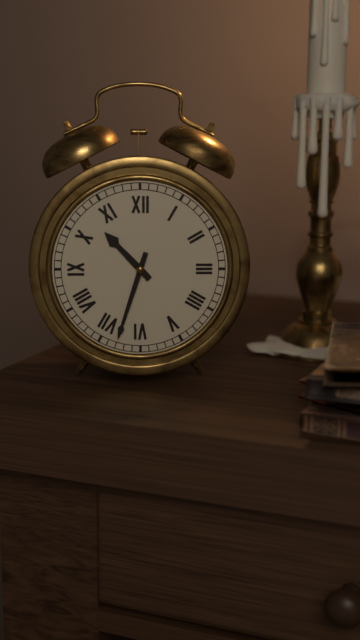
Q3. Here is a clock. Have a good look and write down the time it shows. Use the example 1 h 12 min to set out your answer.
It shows 10 h 33 min
